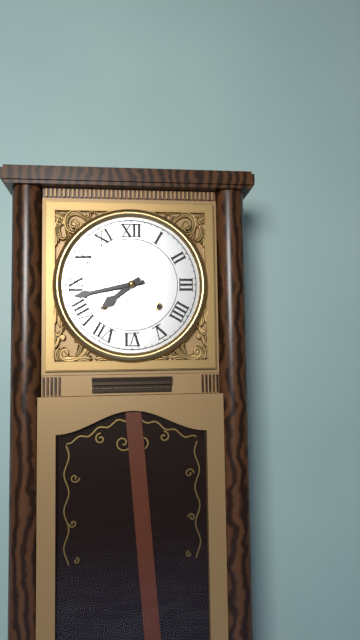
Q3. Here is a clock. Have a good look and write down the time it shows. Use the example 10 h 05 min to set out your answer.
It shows 7 h 43 min
